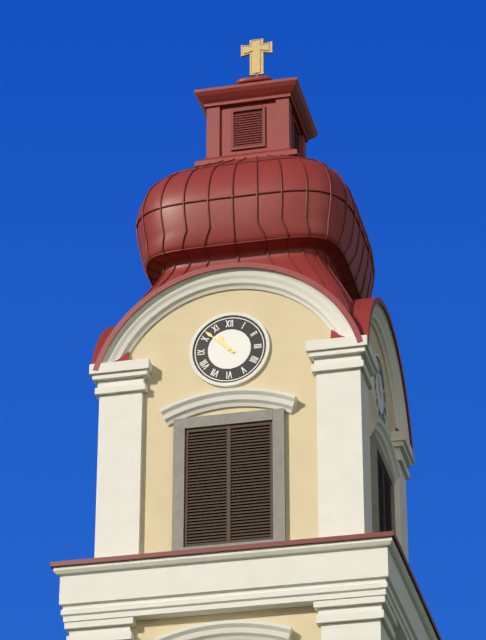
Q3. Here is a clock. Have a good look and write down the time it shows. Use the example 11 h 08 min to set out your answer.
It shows 10 h 52 min
